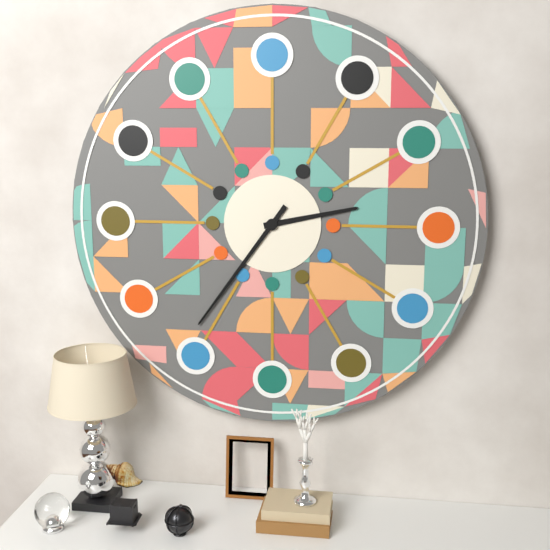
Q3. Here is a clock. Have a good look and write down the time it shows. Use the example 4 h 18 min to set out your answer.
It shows 2 h 36 min
